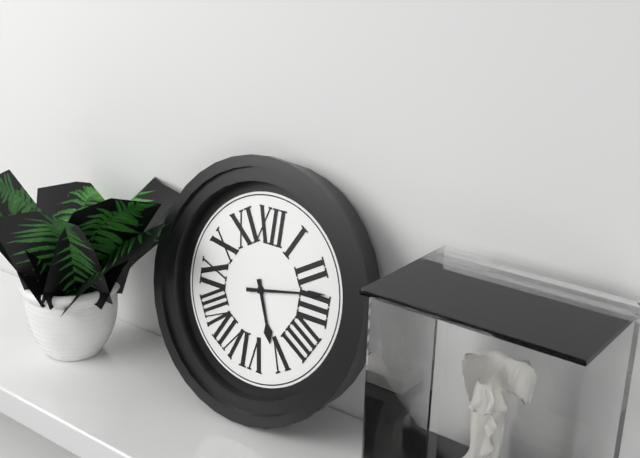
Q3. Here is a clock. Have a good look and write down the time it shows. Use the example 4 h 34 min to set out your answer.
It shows 5 h 13 min
